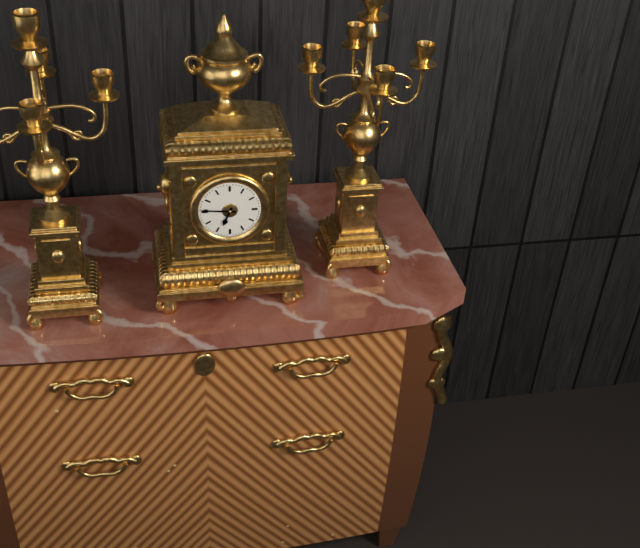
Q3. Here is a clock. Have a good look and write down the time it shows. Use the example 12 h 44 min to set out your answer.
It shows 6 h 46 min
